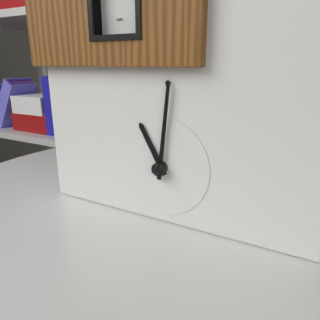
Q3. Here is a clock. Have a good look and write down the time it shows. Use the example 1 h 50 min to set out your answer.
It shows 11 h 01 min
